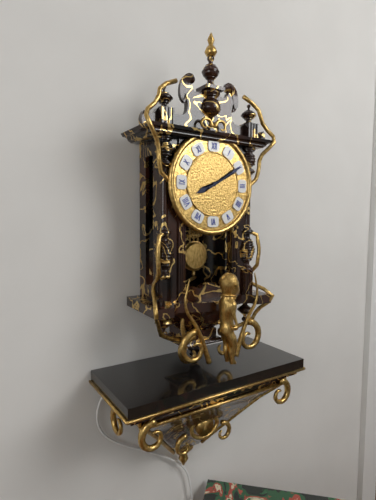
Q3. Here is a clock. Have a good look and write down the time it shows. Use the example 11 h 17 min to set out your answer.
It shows 8 h 10 min
